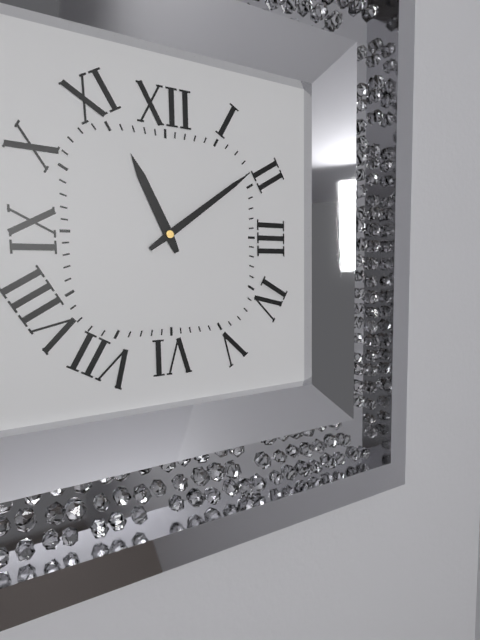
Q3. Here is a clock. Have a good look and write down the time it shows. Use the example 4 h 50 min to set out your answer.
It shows 11 h 09 min
